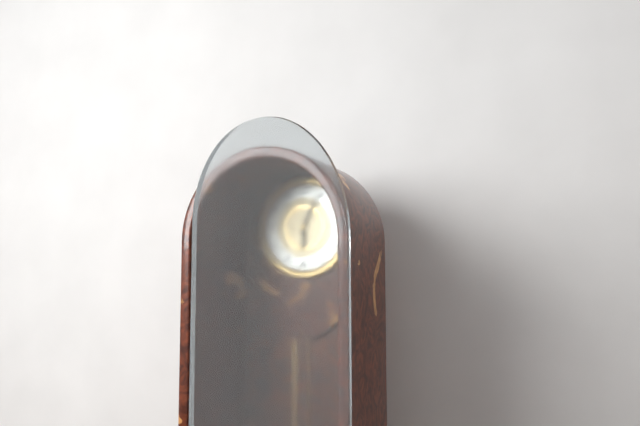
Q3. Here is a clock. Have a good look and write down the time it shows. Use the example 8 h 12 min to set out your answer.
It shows 6 h 04 min
